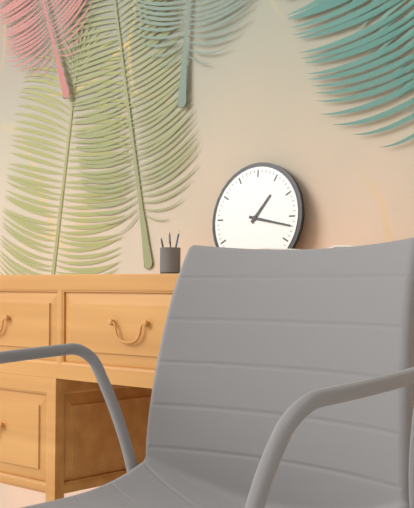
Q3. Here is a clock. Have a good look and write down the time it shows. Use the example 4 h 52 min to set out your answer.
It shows 1 h 17 min
